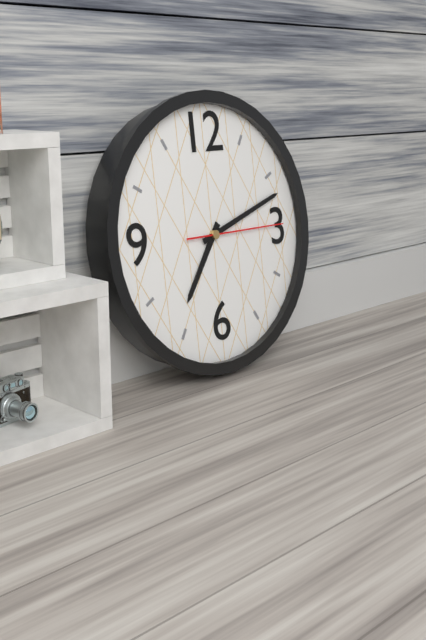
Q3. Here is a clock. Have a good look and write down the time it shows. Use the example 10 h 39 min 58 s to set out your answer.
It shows 7 h 12 min 15 s
